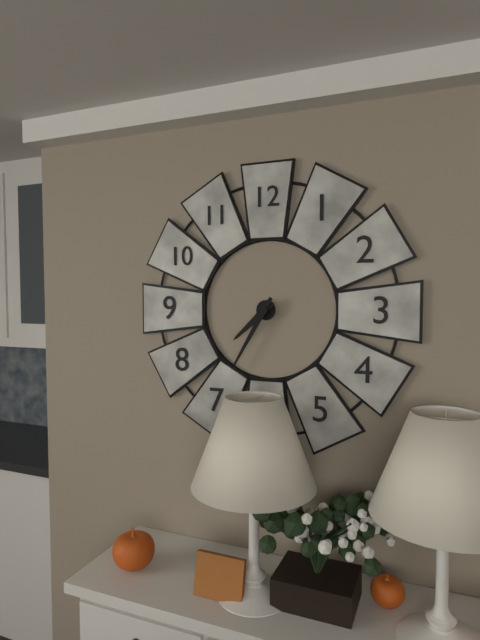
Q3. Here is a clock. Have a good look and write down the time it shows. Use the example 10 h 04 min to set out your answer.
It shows 7 h 35 min
